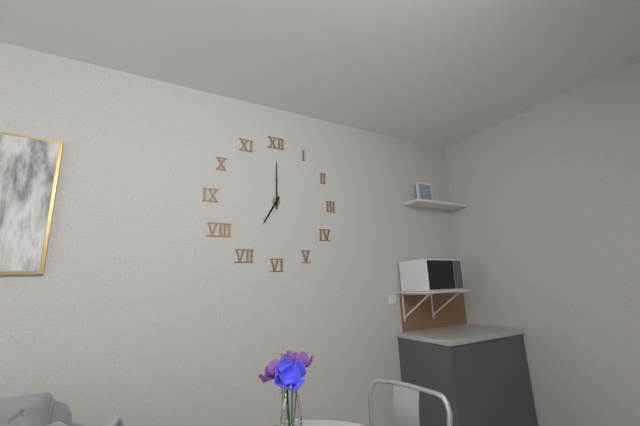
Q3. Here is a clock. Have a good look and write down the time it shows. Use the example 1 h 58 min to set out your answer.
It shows 7 h 00 min
